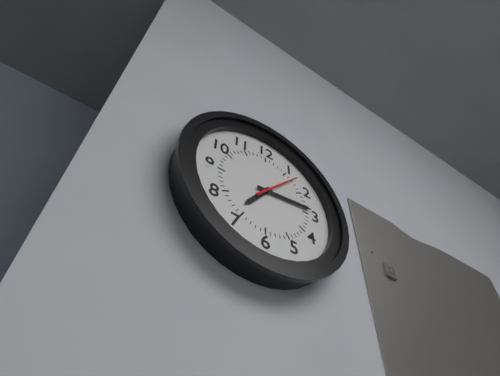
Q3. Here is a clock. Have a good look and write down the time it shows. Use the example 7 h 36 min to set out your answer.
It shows 7 h 14 min
